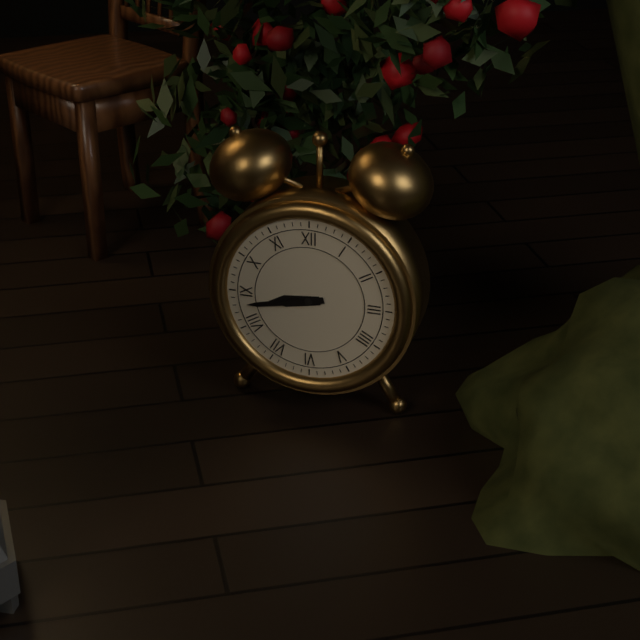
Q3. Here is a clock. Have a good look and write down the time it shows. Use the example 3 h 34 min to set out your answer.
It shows 8 h 43 min
